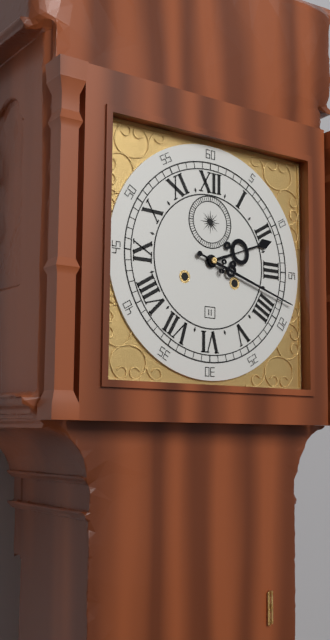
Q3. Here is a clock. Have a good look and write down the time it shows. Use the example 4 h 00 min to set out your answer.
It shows 2 h 18 min
